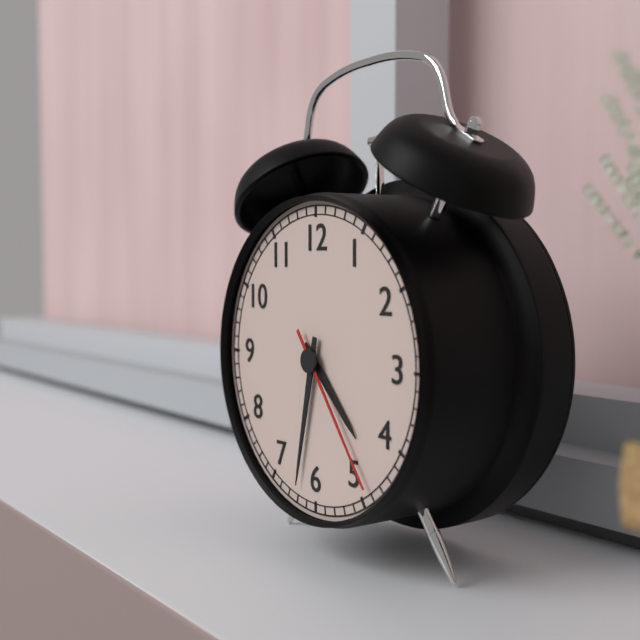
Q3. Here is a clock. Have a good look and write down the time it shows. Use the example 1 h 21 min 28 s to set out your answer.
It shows 4 h 32 min 24 s
